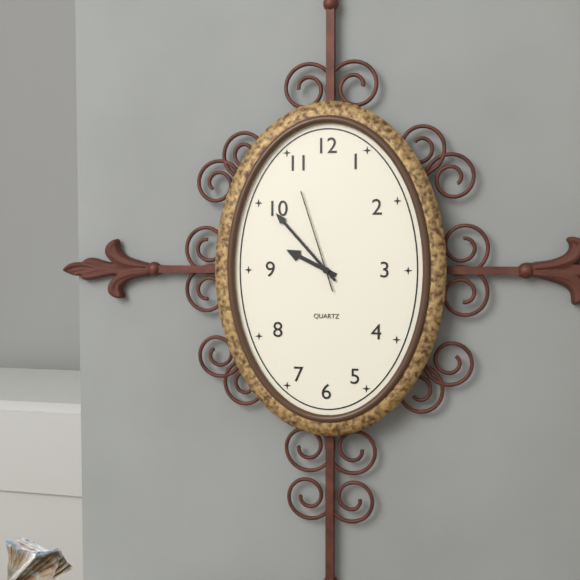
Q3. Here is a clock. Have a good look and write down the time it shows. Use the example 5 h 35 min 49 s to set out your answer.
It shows 9 h 53 min 57 s
